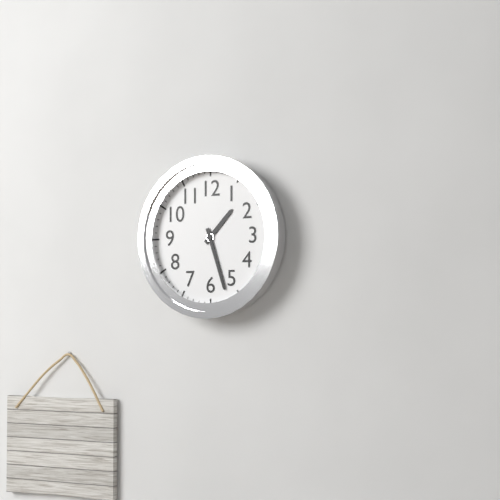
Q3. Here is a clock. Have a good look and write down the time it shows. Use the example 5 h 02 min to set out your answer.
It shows 1 h 27 min
